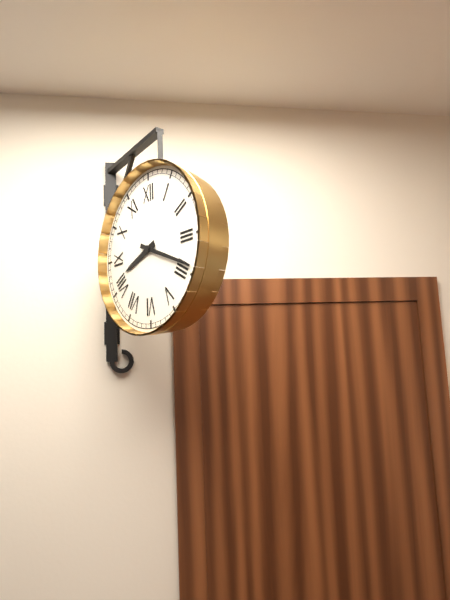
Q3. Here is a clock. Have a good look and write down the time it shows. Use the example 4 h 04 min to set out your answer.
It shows 8 h 19 min
